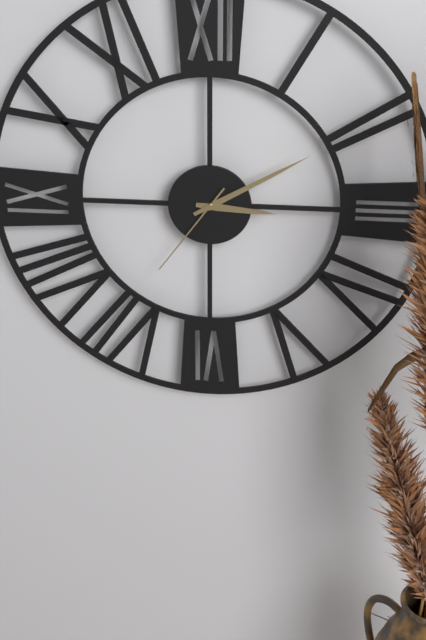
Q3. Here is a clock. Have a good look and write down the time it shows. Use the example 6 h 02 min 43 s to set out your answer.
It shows 3 h 10 min 36 s
